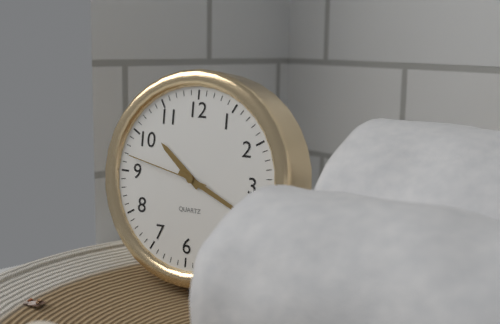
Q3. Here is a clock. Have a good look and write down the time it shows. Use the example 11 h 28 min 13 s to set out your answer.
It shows 10 h 19 min 47 s
